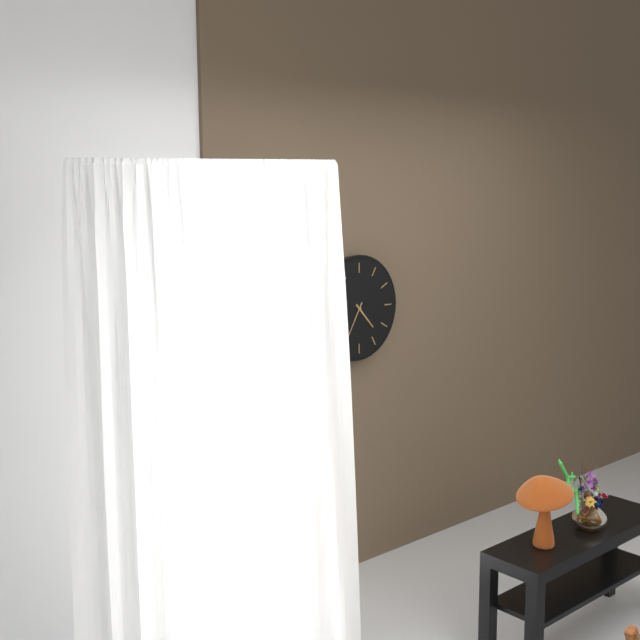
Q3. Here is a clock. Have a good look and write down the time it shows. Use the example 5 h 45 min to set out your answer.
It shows 4 h 35 min
